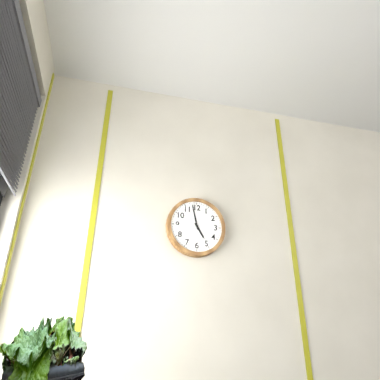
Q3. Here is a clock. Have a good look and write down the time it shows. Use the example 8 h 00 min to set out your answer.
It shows 4 h 58 min
